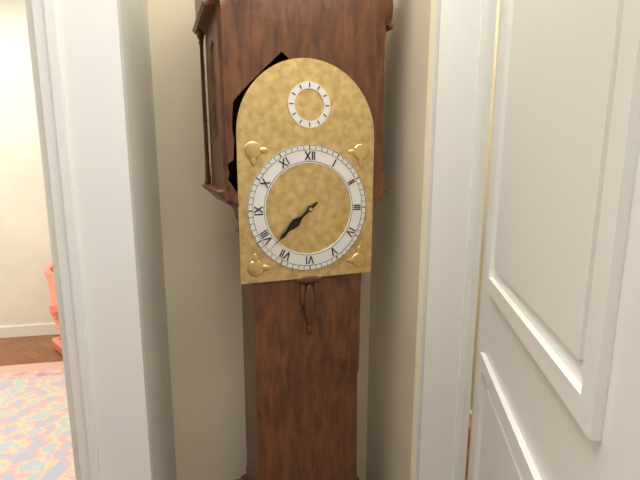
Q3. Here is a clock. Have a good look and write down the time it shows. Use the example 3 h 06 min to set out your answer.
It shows 7 h 38 min
